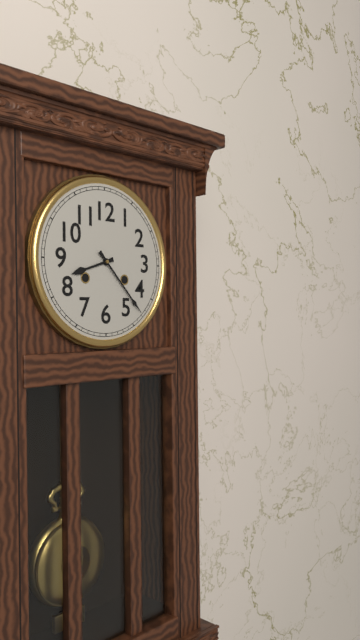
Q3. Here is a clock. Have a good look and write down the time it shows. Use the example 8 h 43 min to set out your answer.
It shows 8 h 23 min
